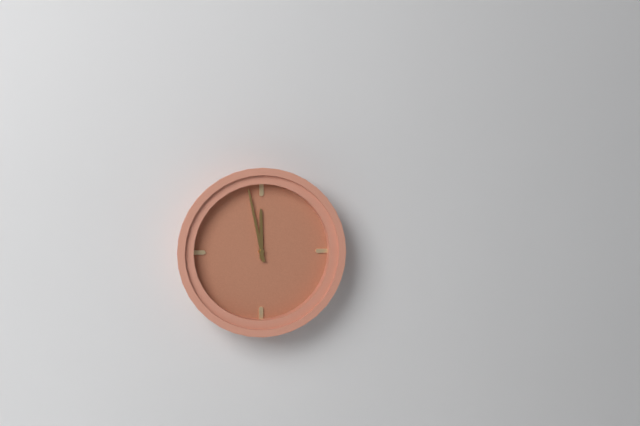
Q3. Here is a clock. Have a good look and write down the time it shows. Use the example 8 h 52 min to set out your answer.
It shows 11 h 58 min
